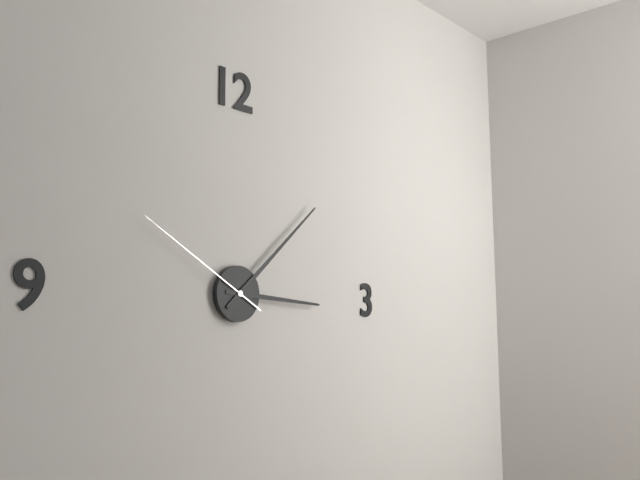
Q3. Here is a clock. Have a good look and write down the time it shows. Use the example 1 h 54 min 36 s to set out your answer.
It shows 3 h 08 min 50 s
